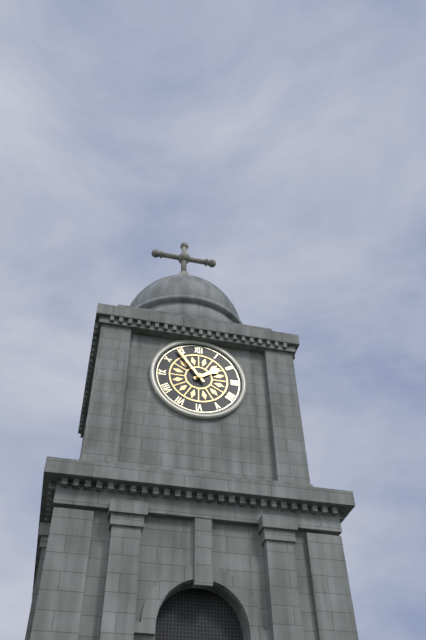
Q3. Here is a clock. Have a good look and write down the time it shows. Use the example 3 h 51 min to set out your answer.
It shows 1 h 54 min
